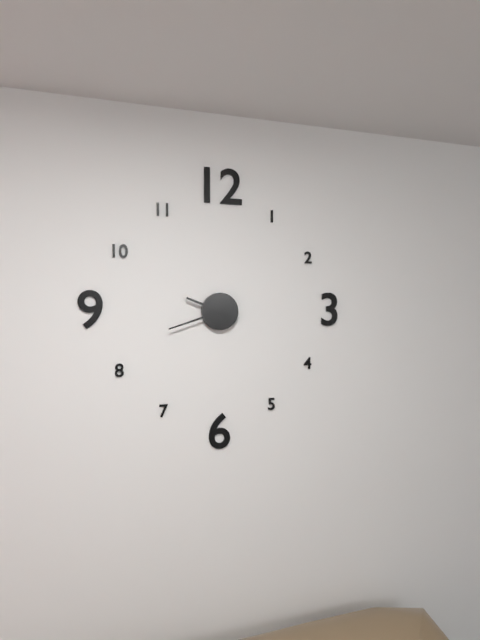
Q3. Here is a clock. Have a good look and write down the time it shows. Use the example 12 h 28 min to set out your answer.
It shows 9 h 42 min
